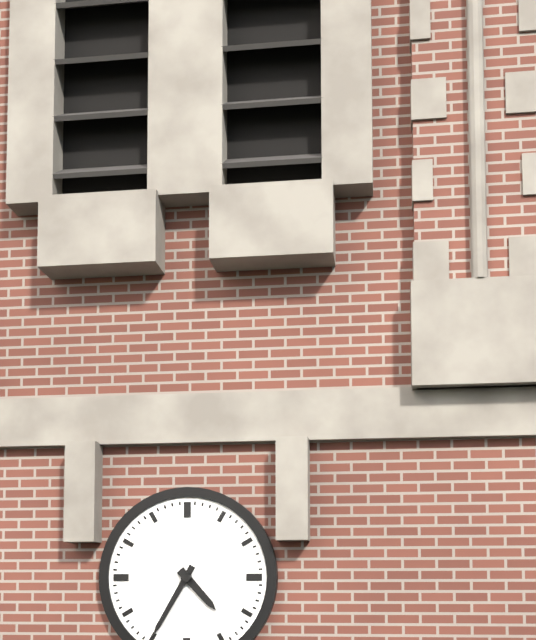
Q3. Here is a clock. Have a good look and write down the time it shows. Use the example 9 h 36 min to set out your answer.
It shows 4 h 35 min
